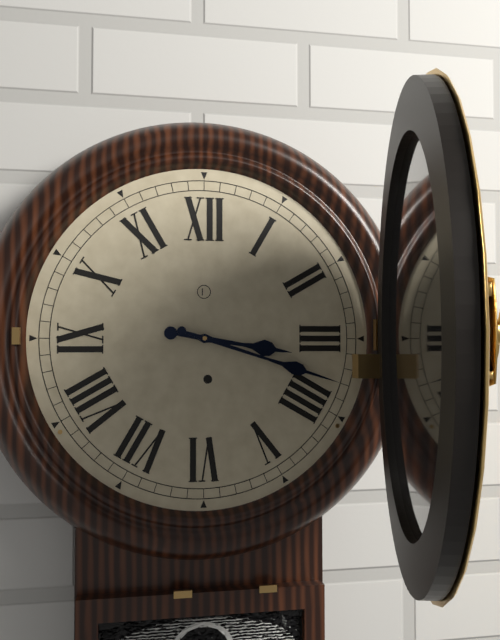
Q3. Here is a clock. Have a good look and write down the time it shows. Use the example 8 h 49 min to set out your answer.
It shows 3 h 18 min
